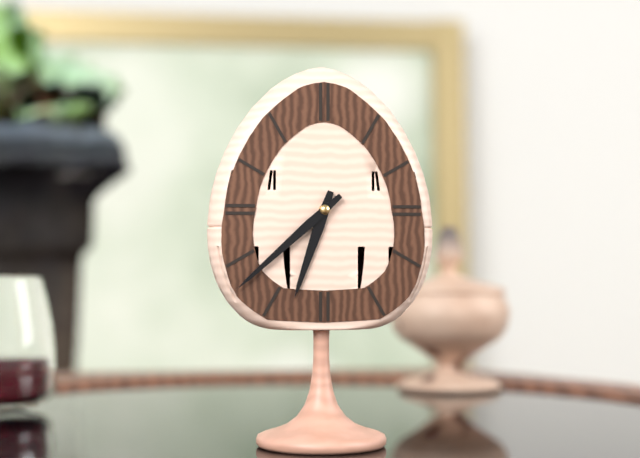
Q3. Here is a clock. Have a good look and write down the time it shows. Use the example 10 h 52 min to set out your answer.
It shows 6 h 38 min
